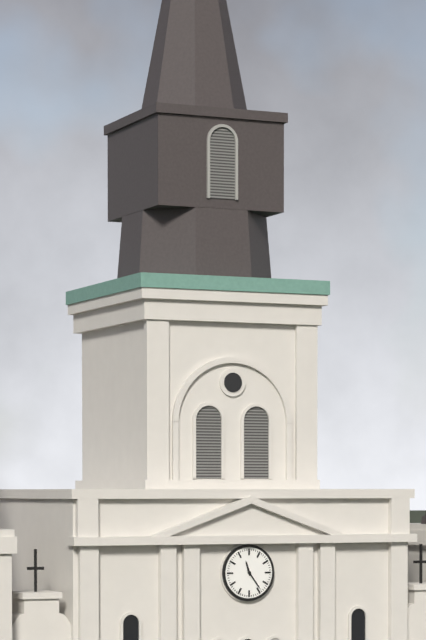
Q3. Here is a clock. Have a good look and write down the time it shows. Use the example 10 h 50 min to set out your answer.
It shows 11 h 24 min
